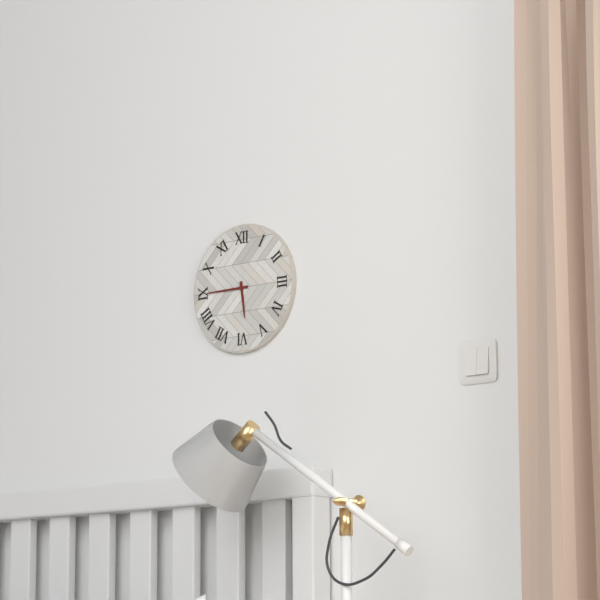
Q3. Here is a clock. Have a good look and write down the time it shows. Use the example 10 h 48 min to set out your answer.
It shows 5 h 45 min
